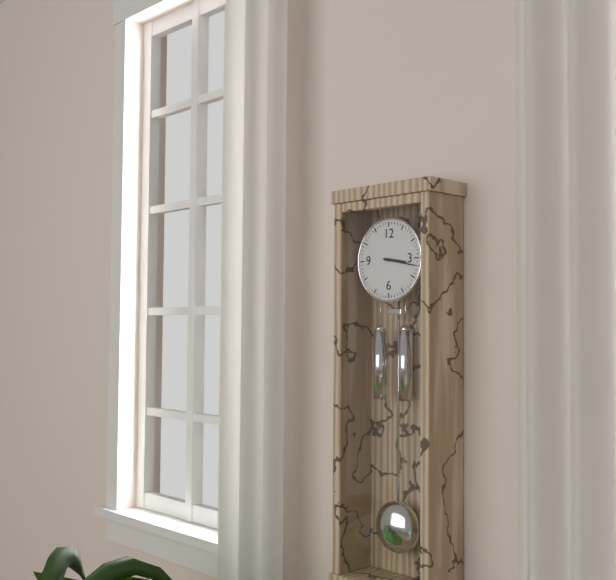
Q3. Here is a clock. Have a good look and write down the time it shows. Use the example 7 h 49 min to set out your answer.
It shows 3 h 17 min
